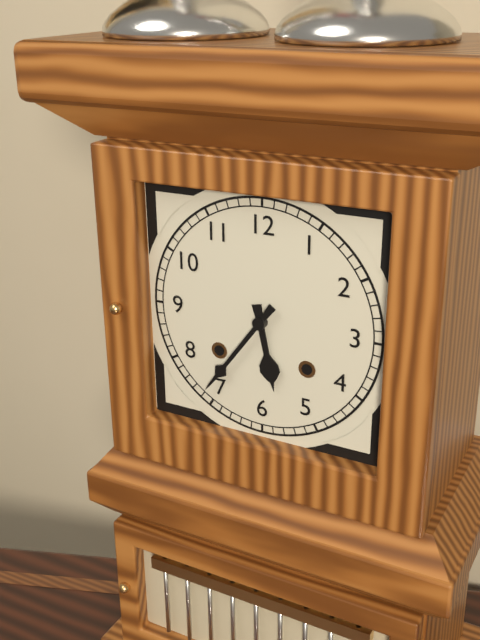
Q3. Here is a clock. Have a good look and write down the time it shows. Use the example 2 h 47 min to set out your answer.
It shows 5 h 36 min
